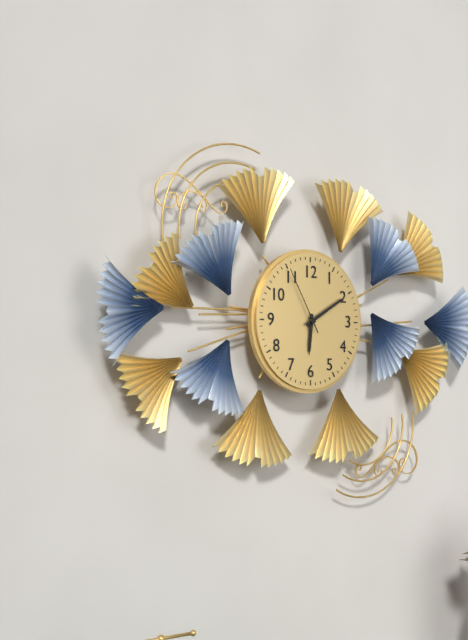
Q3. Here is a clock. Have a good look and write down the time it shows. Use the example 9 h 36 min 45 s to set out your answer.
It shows 6 h 10 min 55 s
